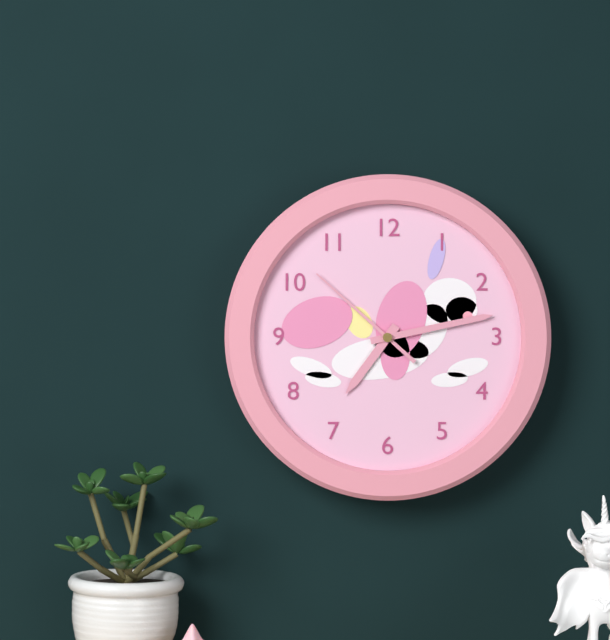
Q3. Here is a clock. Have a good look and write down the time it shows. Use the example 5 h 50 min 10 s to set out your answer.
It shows 7 h 13 min 52 s
